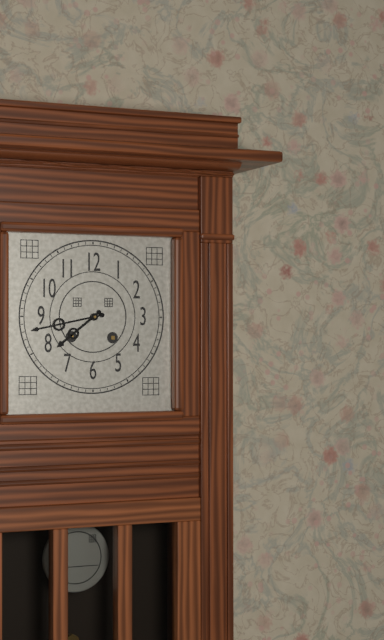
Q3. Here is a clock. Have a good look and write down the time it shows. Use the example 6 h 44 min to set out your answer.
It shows 7 h 43 min
